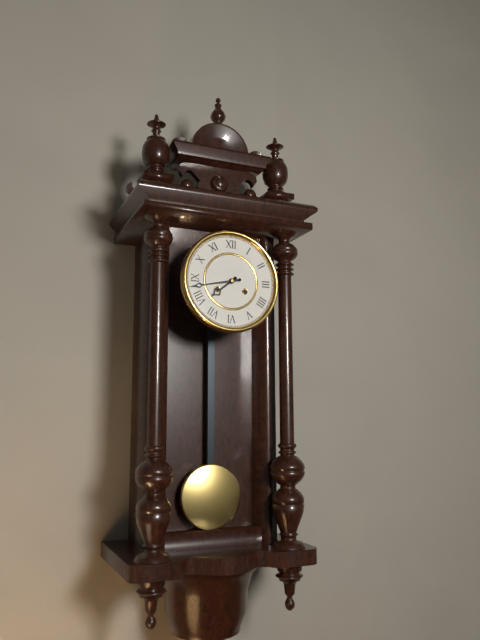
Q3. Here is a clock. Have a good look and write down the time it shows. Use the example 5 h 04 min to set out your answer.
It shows 7 h 43 min
